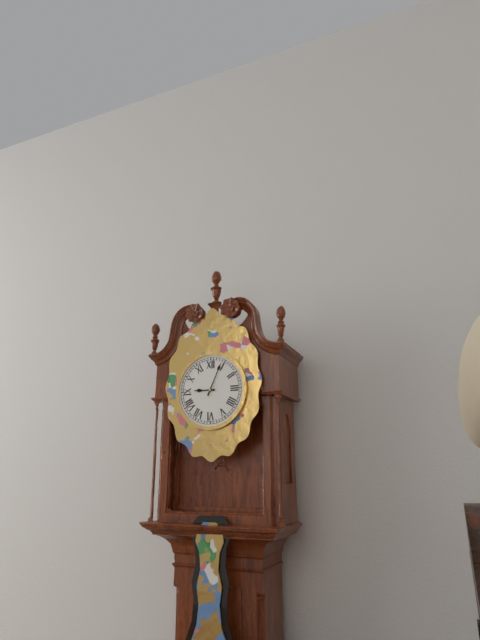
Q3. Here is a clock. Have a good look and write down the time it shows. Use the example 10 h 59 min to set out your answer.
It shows 9 h 04 min
